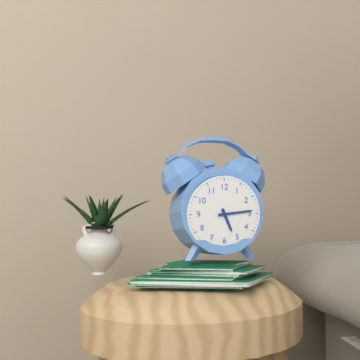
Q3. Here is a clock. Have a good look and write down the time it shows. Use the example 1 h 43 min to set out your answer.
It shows 5 h 14 min
